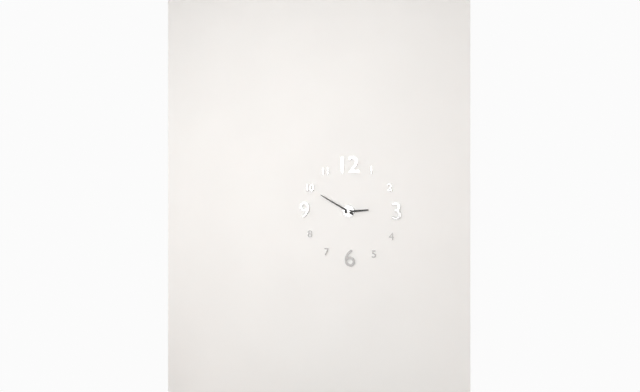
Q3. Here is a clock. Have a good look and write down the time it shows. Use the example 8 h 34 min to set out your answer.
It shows 2 h 50 min
